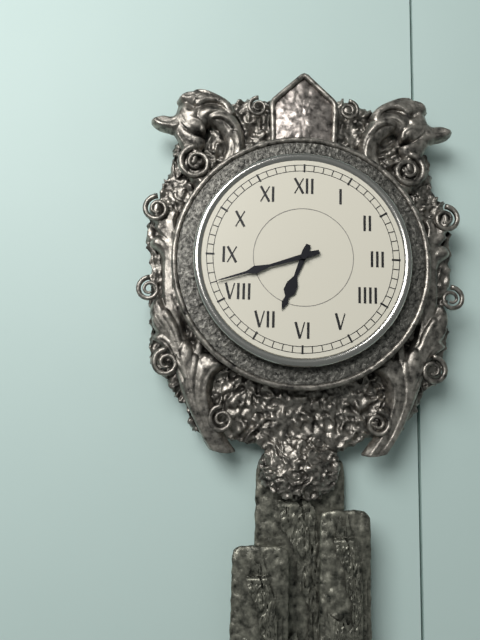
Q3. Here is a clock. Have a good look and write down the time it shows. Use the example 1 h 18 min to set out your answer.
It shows 6 h 42 min
